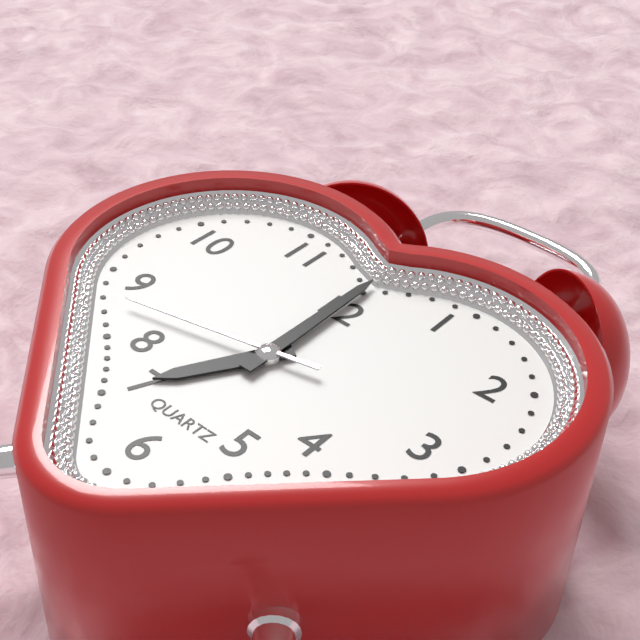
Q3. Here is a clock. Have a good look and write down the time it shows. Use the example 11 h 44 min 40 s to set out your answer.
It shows 7 h 00 min 43 s
